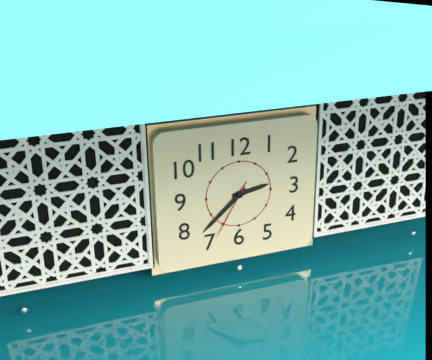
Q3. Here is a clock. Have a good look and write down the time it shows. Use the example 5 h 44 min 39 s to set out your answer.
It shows 2 h 38 min 35 s
